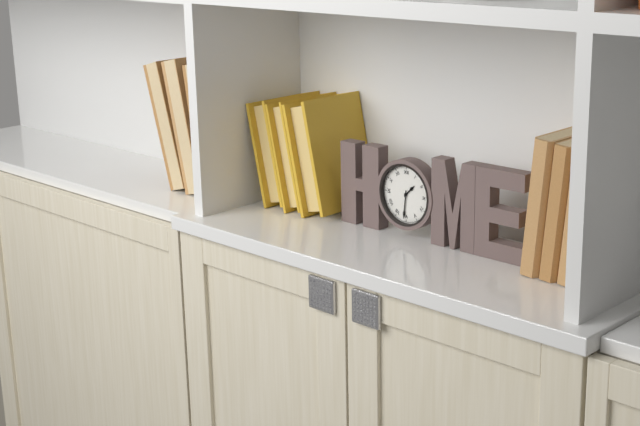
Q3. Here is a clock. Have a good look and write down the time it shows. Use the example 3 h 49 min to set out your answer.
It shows 1 h 31 min
